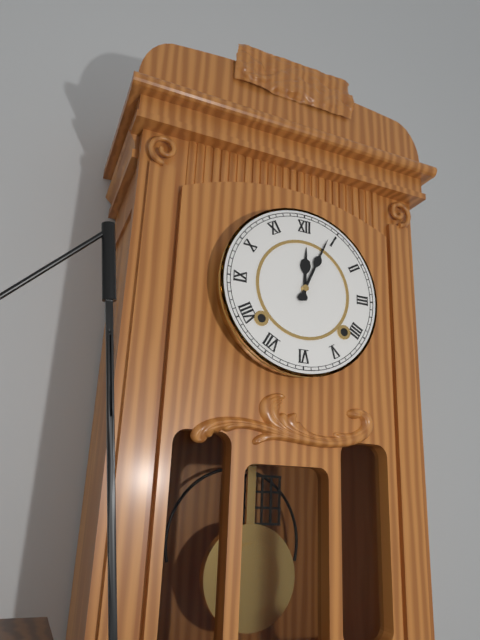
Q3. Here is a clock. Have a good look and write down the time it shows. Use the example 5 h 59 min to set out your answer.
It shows 12 h 04 min
